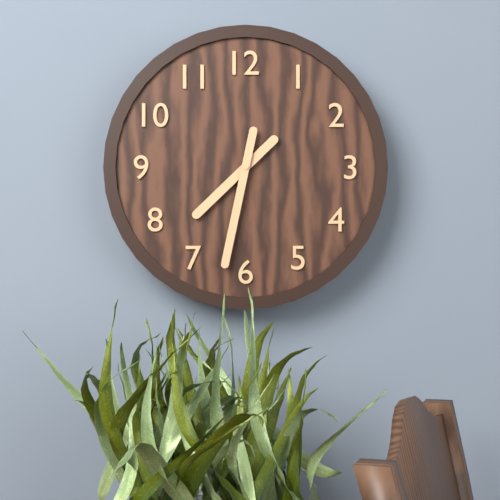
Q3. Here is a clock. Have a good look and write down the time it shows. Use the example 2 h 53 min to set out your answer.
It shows 7 h 32 min
